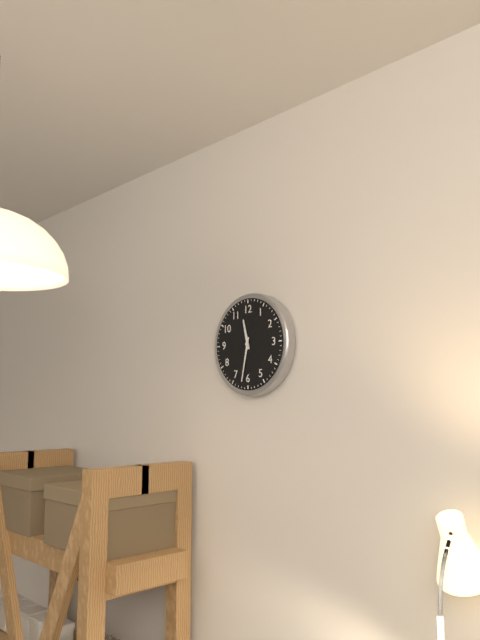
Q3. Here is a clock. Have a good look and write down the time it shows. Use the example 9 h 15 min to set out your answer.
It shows 11 h 32 min
